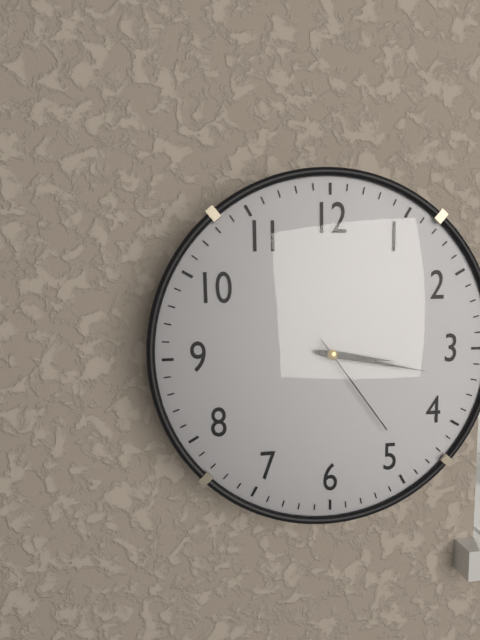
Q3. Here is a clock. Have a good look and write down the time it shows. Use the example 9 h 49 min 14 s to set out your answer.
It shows 3 h 17 min 24 s
